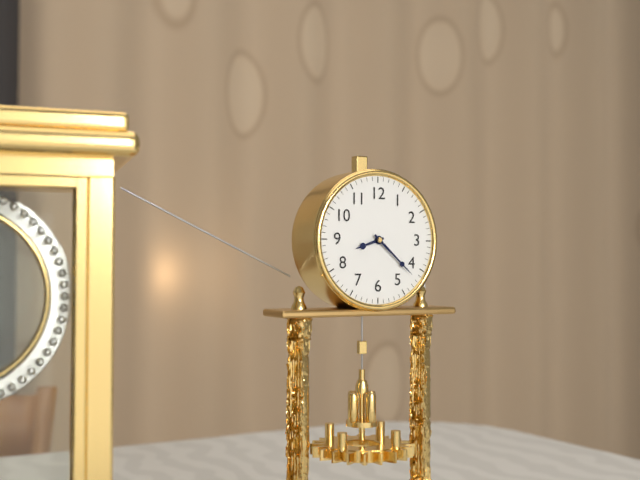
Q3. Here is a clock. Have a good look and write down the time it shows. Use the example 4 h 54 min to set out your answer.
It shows 8 h 22 min
